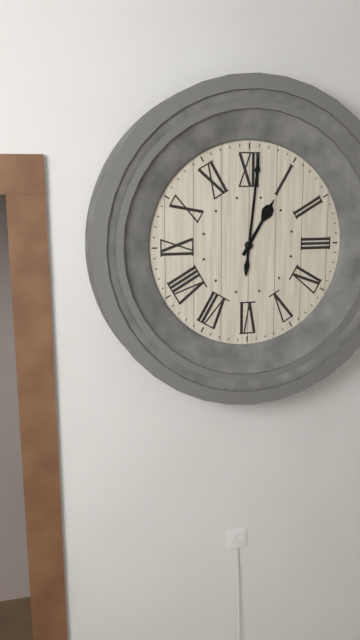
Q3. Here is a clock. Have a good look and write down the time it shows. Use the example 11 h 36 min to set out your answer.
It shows 1 h 01 min
